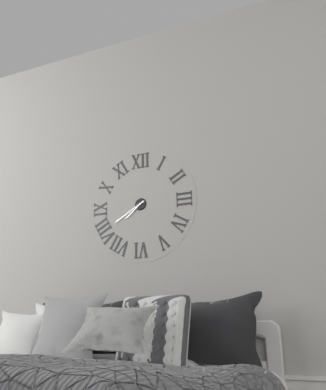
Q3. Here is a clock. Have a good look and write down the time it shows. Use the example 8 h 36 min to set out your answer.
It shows 7 h 40 min
